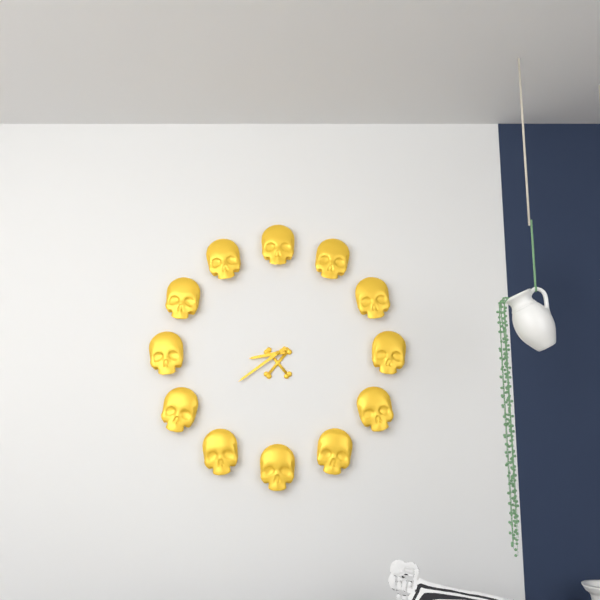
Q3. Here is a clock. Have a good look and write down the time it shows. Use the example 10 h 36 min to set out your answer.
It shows 8 h 39 min
